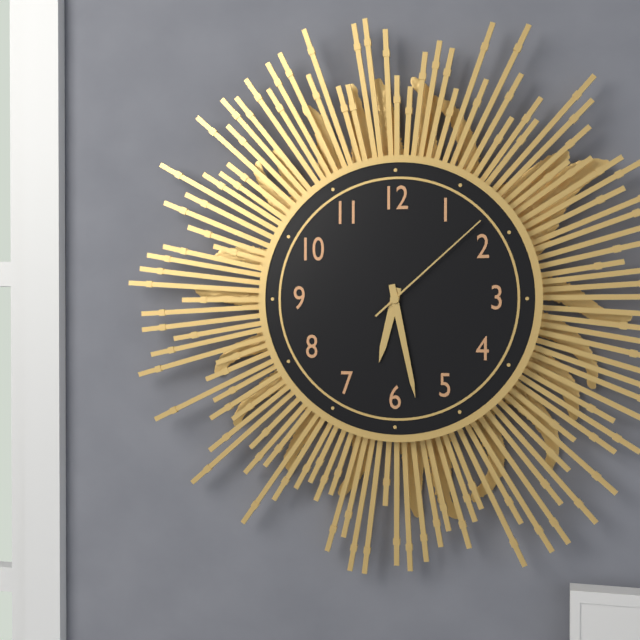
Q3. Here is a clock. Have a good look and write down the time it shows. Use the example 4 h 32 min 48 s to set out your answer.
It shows 6 h 28 min 08 s
